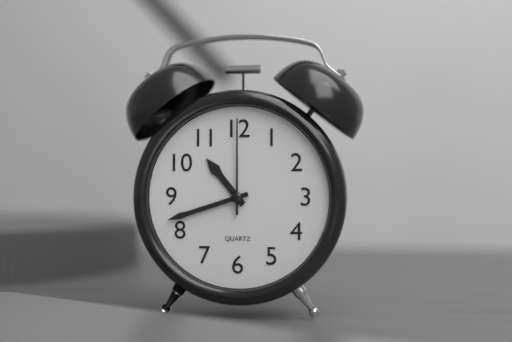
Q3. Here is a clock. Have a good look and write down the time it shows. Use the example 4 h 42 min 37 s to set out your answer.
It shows 10 h 42 min 00 s
